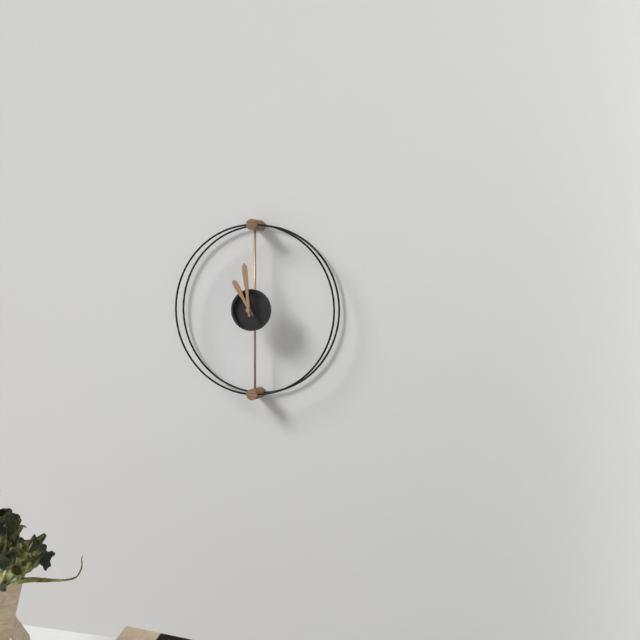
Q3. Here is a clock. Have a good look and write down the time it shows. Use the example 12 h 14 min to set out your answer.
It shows 10 h 59 min
